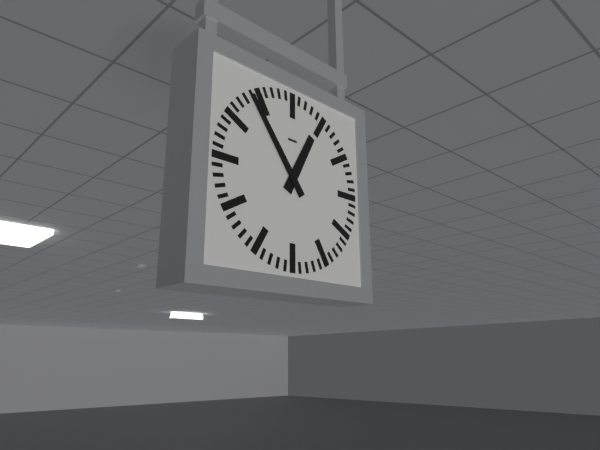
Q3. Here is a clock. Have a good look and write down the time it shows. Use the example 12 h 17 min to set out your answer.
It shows 12 h 54 min
